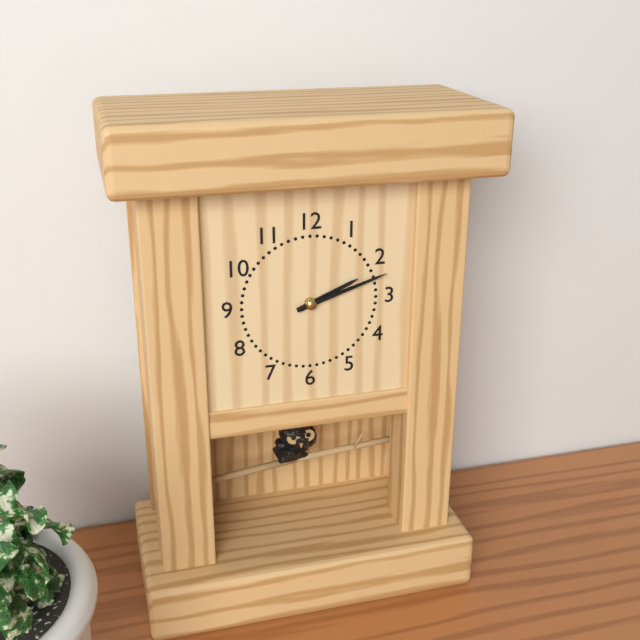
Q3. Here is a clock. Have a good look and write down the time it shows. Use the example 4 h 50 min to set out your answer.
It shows 2 h 12 min
